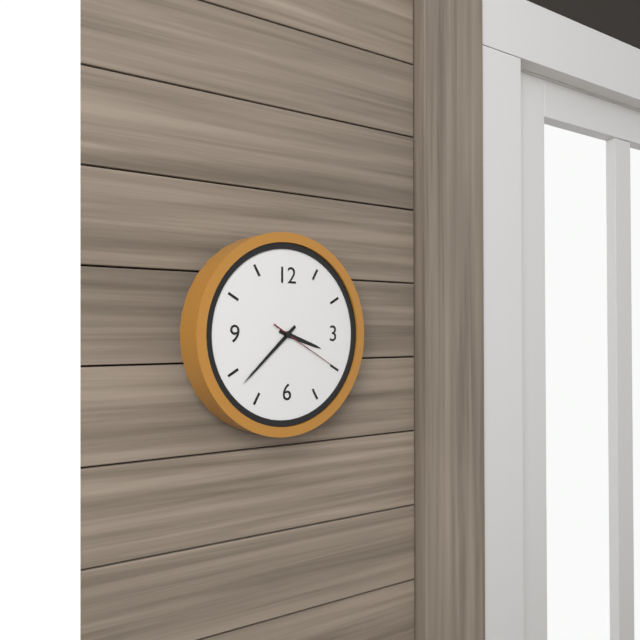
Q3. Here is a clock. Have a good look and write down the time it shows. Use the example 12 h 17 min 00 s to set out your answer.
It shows 3 h 38 min 20 s
